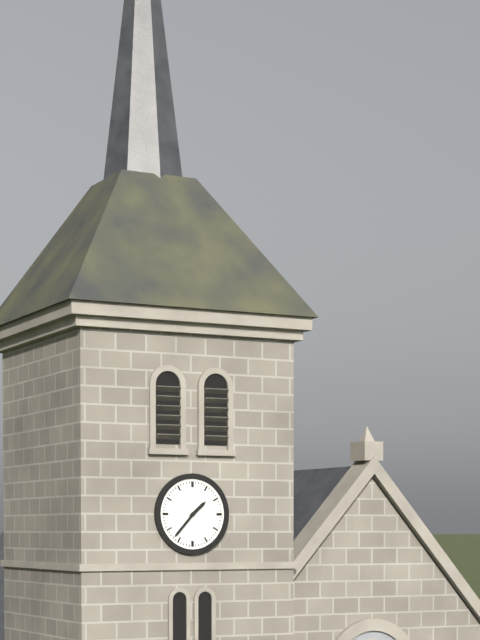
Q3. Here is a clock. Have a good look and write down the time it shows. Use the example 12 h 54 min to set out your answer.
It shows 1 h 37 min
